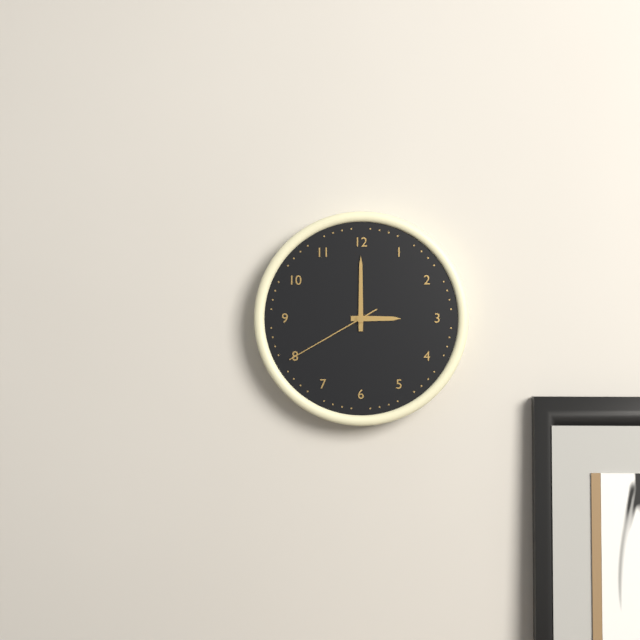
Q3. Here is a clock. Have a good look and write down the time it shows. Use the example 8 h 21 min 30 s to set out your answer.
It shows 3 h 00 min 40 s
